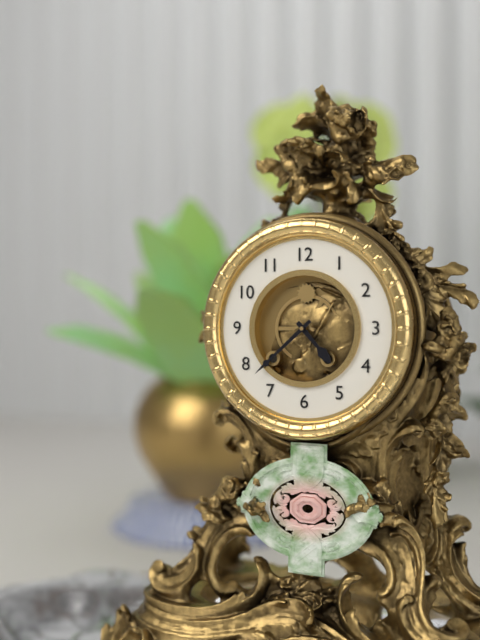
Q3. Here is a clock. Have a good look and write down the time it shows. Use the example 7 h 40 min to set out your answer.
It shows 4 h 38 min
